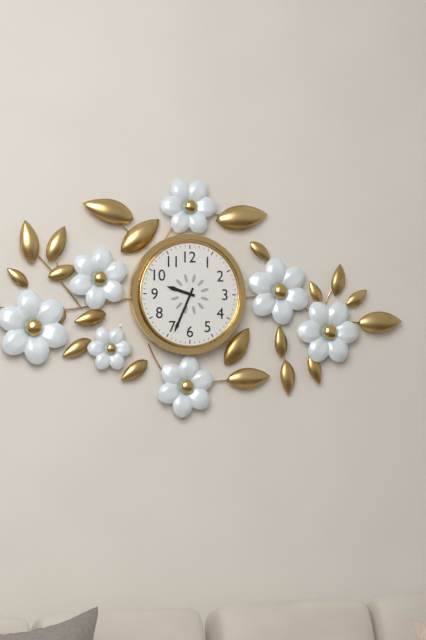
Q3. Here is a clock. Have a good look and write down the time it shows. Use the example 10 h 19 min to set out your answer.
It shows 9 h 34 min
